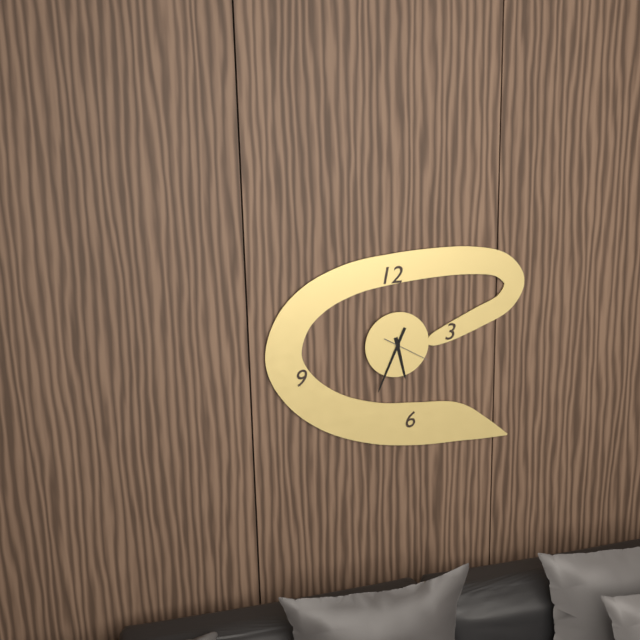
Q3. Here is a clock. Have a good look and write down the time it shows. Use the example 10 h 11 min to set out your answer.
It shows 5 h 34 min
